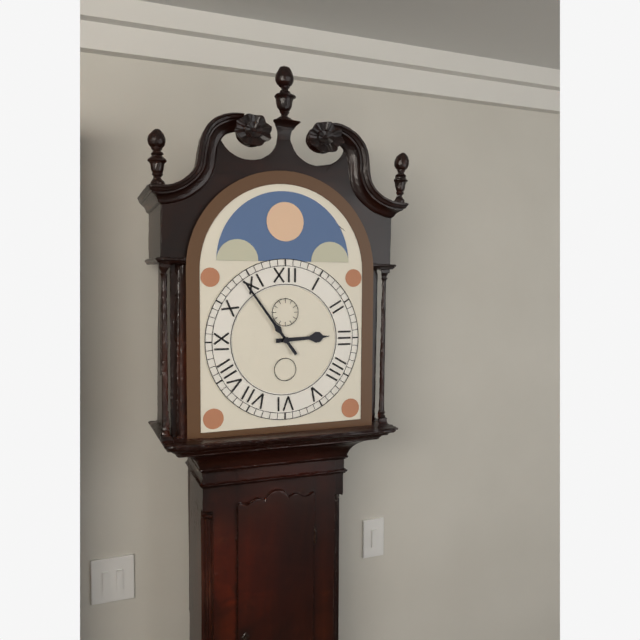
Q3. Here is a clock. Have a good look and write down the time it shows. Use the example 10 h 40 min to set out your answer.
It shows 2 h 54 min
